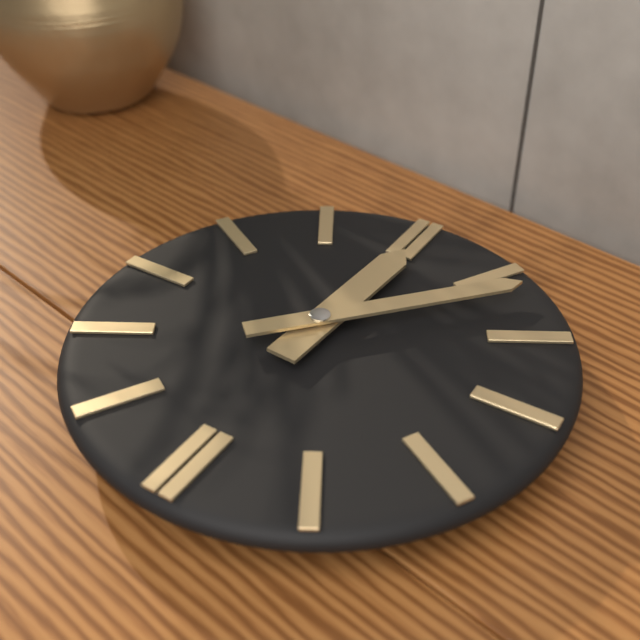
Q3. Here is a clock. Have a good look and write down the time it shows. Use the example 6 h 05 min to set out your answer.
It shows 12 h 07 min
